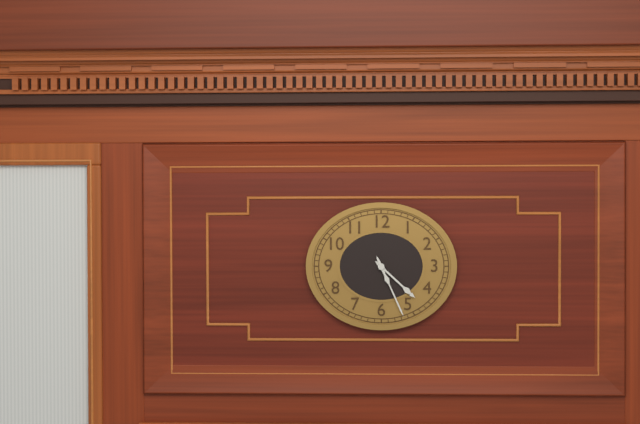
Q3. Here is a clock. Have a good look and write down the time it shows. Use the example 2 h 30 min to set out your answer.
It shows 4 h 26 min
